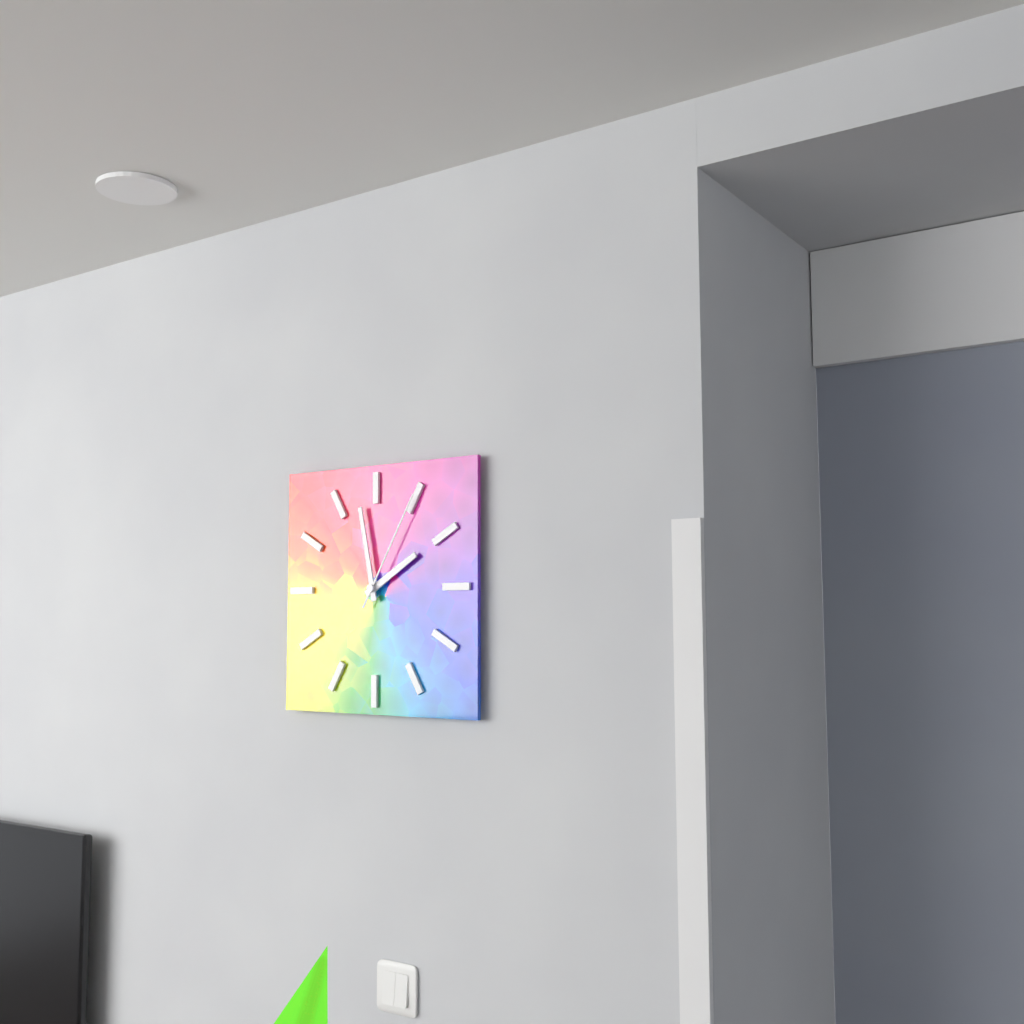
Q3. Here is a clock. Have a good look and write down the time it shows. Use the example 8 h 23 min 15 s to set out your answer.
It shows 1 h 58 min 05 s
